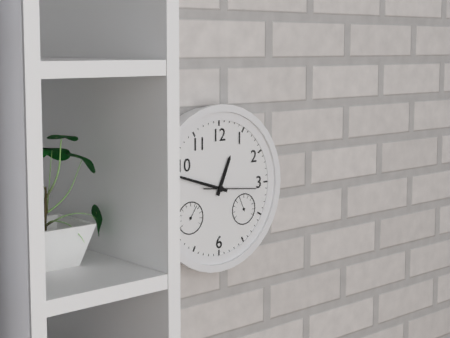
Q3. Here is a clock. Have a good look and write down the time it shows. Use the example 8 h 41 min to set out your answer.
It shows 12 h 48 min
